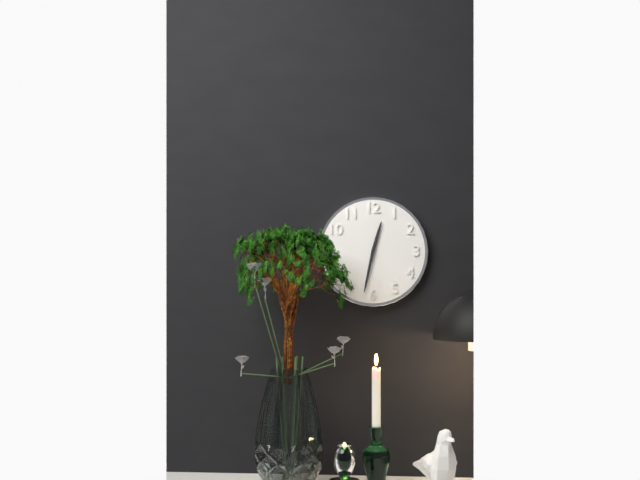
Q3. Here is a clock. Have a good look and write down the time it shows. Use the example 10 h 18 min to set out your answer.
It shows 12 h 32 min
